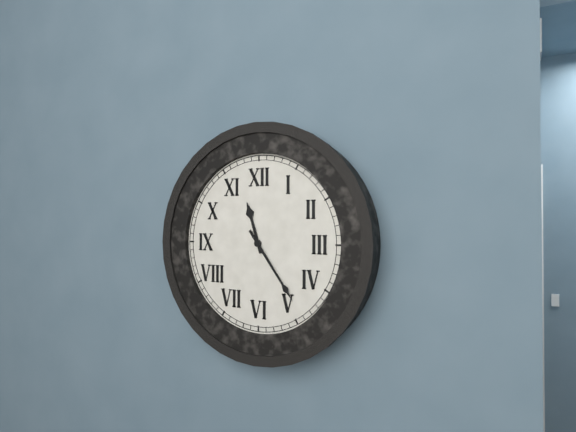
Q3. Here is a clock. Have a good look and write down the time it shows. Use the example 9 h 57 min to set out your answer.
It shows 11 h 24 min
